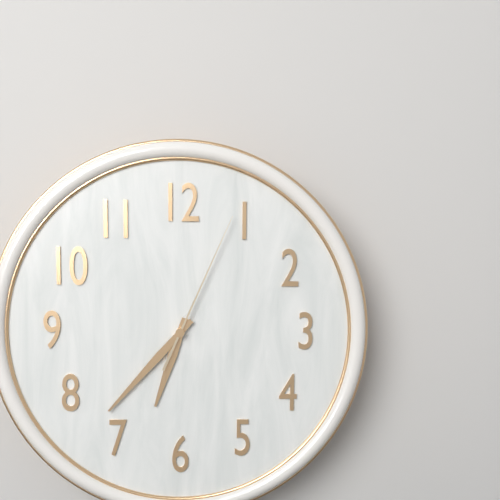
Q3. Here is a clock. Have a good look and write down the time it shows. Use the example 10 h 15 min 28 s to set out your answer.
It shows 6 h 37 min 04 s
